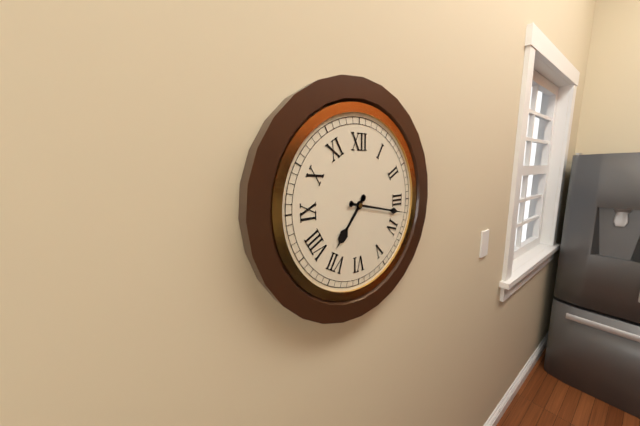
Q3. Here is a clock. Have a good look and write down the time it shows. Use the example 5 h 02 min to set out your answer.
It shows 7 h 17 min
